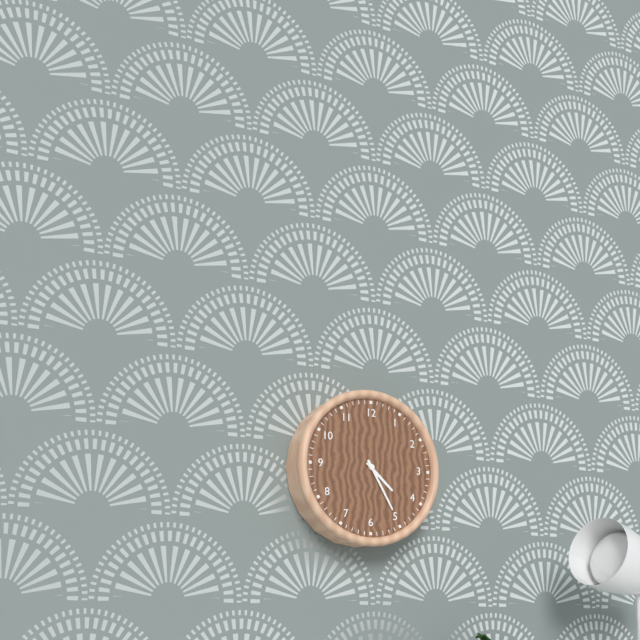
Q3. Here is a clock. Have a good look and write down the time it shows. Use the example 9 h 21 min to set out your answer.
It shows 4 h 25 min
